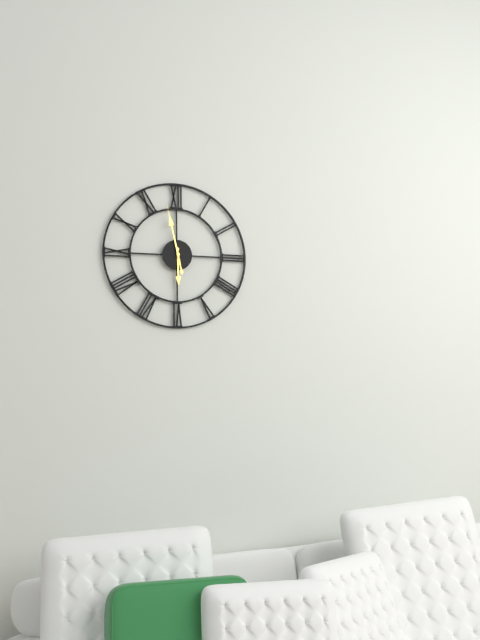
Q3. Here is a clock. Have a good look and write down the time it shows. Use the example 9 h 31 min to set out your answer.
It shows 5 h 58 min
